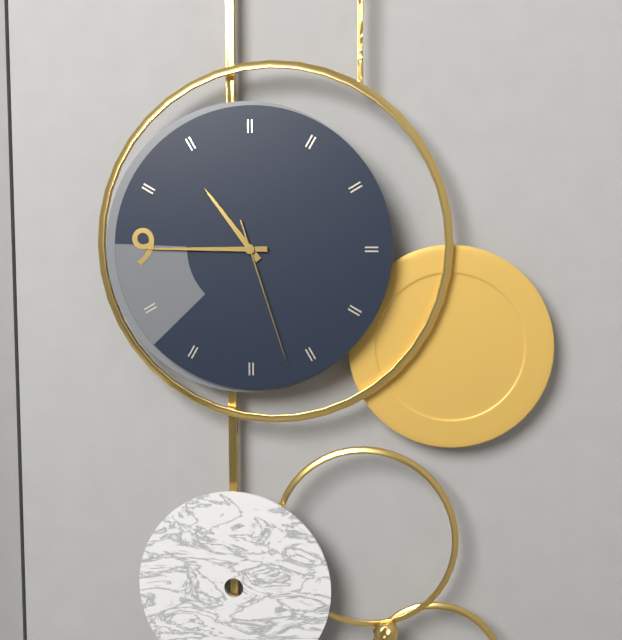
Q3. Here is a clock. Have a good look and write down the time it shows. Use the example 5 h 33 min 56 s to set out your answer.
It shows 10 h 45 min 27 s
